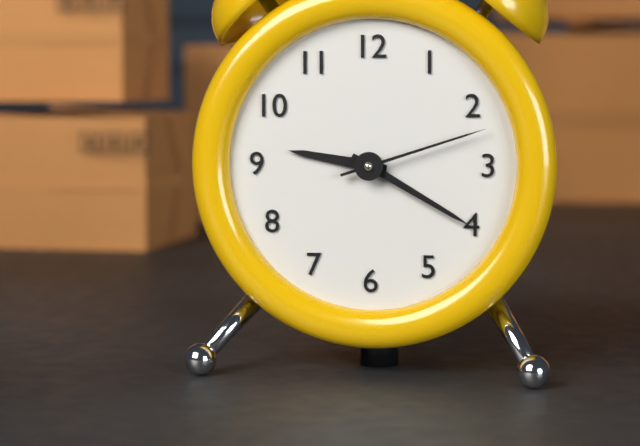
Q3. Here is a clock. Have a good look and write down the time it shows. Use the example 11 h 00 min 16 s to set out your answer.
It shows 9 h 20 min 12 s
